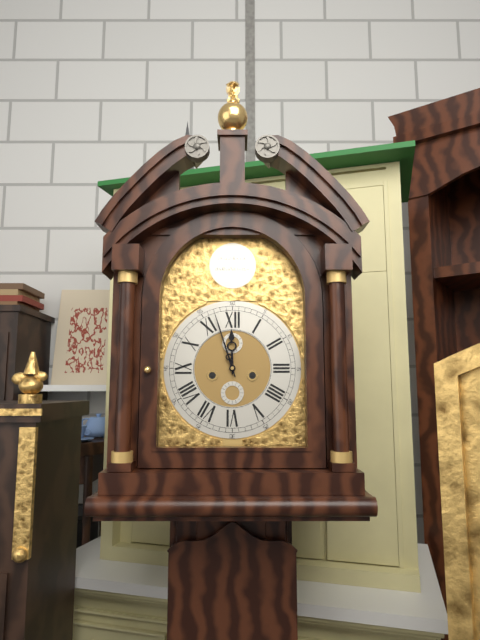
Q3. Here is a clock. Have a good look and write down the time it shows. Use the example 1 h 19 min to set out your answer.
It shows 11 h 57 min
